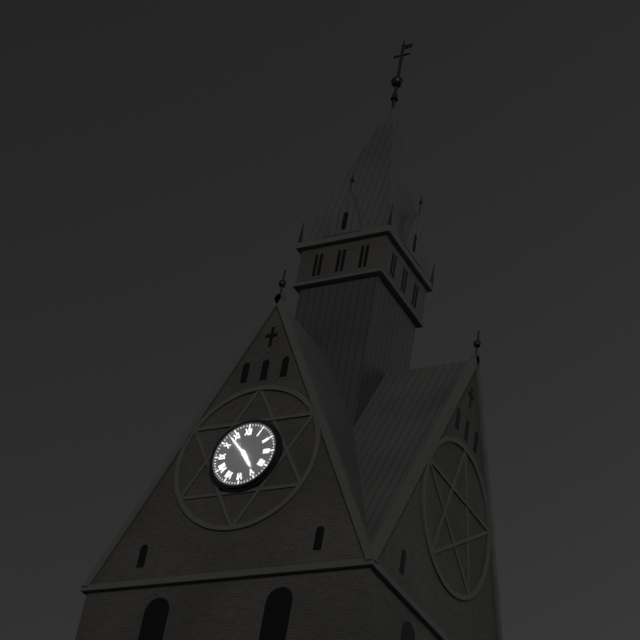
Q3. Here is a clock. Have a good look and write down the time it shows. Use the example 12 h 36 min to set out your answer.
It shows 4 h 53 min
